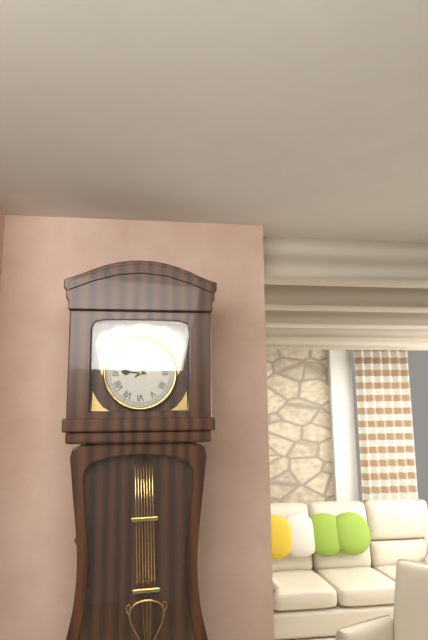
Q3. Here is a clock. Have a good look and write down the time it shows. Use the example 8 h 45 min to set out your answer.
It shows 9 h 09 min
